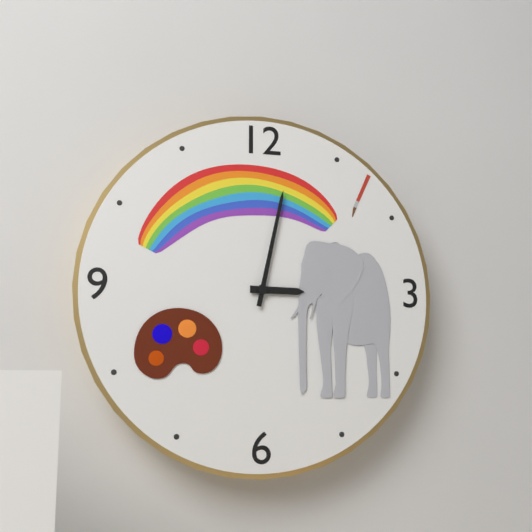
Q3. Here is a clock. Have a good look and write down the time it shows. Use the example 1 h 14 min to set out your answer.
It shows 3 h 02 min
